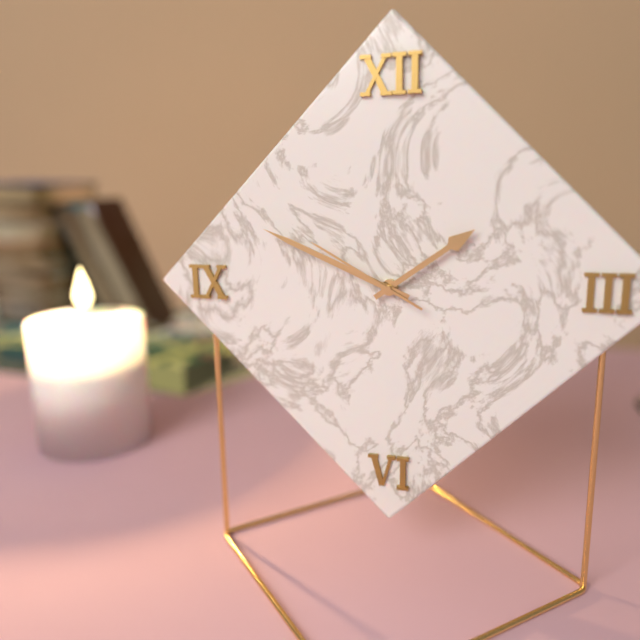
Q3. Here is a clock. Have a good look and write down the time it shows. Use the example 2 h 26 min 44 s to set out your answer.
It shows 1 h 49 min 50 s
